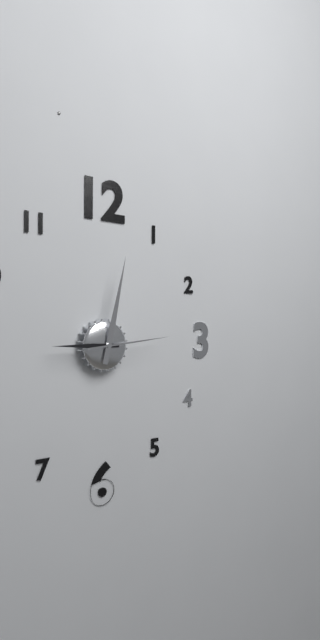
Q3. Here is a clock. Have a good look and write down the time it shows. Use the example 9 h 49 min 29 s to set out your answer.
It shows 9 h 02 min 14 s
